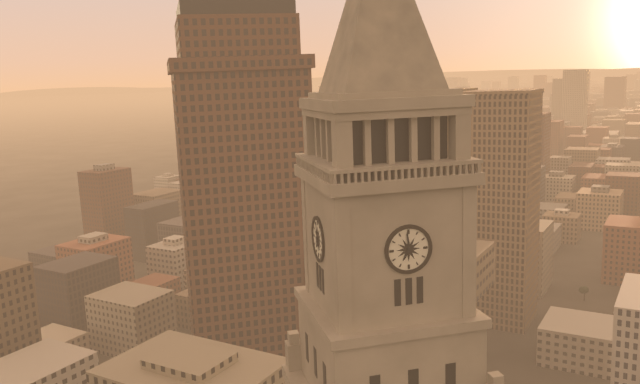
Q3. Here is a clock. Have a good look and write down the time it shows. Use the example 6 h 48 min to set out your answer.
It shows 6 h 59 min
